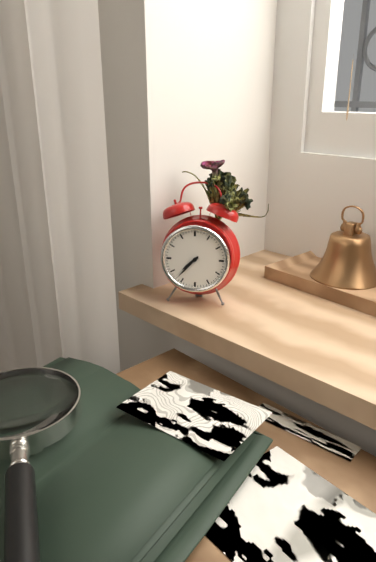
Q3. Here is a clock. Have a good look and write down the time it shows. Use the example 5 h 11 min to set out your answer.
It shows 7 h 37 min
